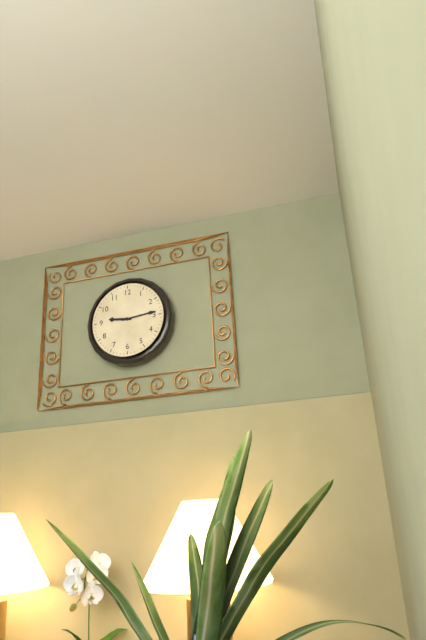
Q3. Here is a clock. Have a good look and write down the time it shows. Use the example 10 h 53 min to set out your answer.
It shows 9 h 14 min
